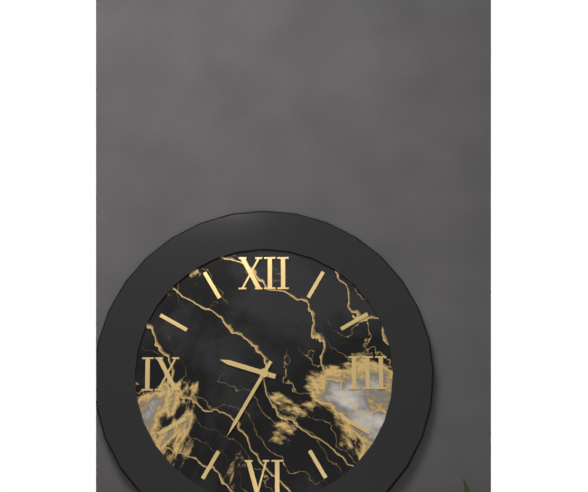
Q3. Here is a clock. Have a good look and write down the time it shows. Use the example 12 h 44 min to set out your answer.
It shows 9 h 35 min
